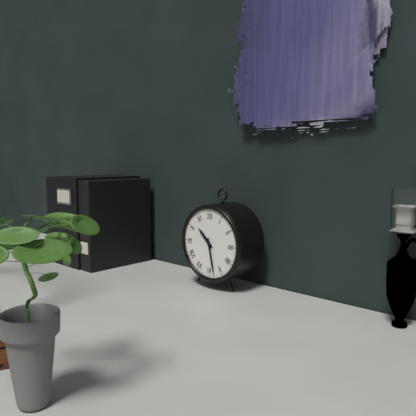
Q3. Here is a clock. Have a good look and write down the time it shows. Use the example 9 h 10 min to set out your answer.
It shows 10 h 28 min
